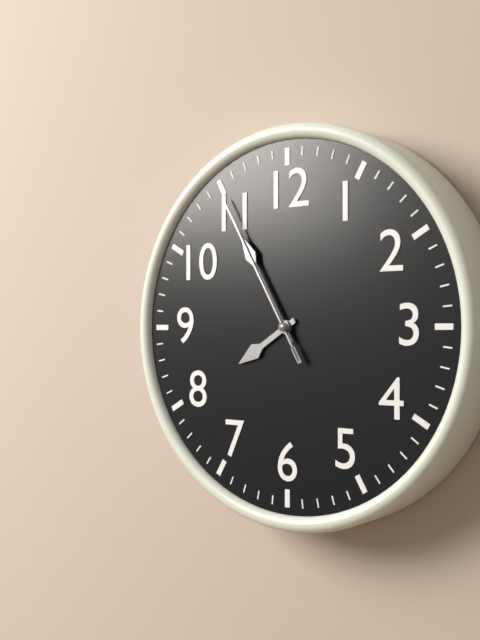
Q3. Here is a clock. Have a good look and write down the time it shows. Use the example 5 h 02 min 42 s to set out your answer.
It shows 7 h 55 min 55 s
